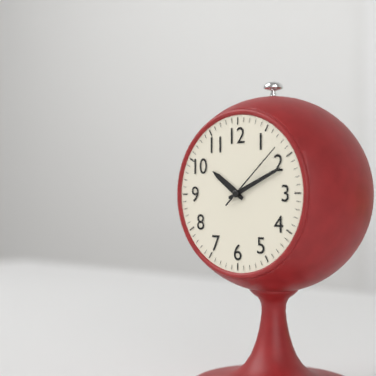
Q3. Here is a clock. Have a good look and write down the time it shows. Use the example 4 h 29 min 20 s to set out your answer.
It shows 10 h 11 min 08 s
